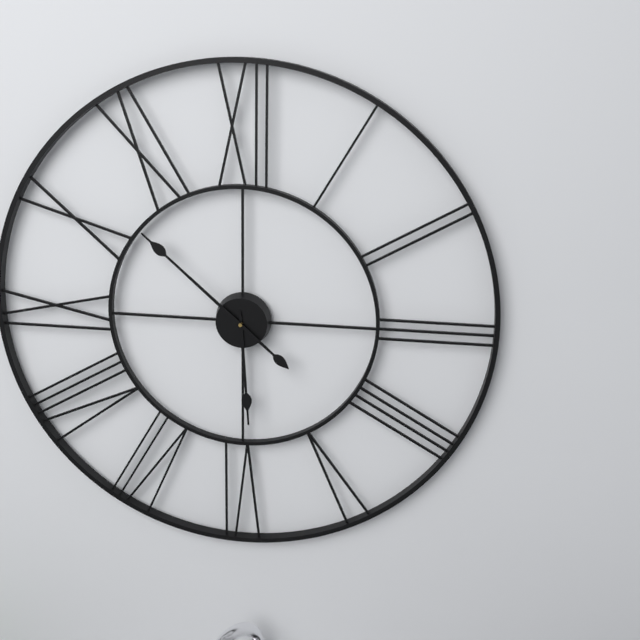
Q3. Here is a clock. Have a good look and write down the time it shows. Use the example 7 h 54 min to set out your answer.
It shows 5 h 52 min
